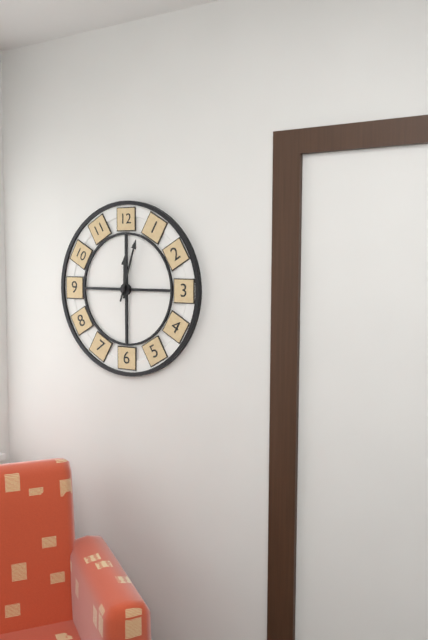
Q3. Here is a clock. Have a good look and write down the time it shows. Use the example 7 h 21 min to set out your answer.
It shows 12 h 03 min
